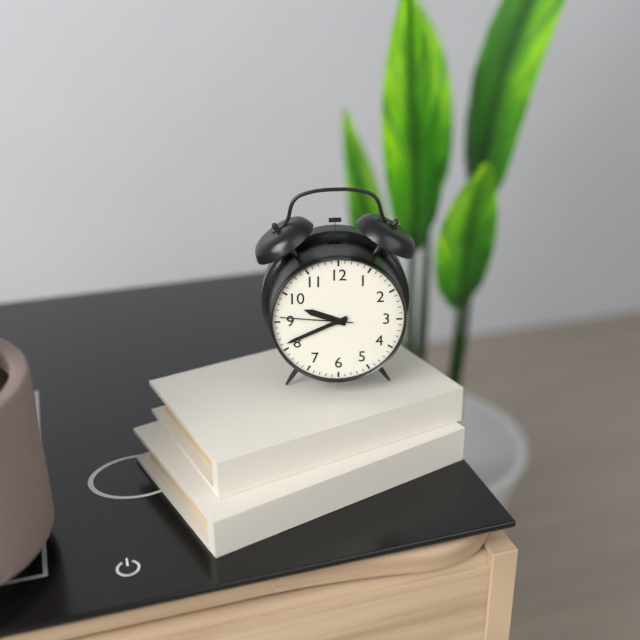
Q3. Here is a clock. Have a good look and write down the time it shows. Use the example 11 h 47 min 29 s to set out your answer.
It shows 9 h 41 min 46 s
